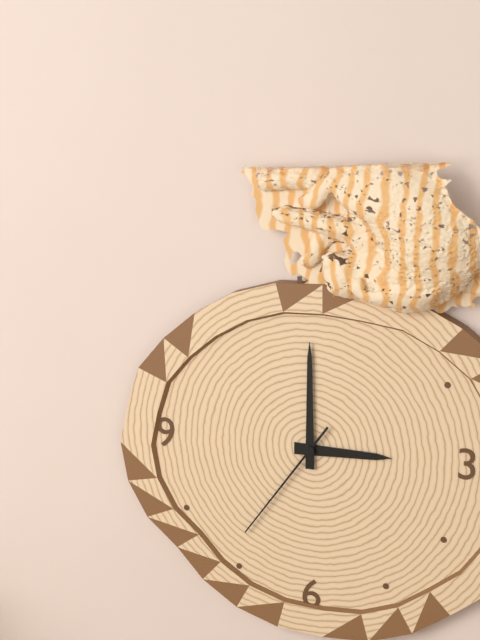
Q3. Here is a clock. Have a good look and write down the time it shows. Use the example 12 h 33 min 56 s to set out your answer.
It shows 3 h 00 min 36 s
